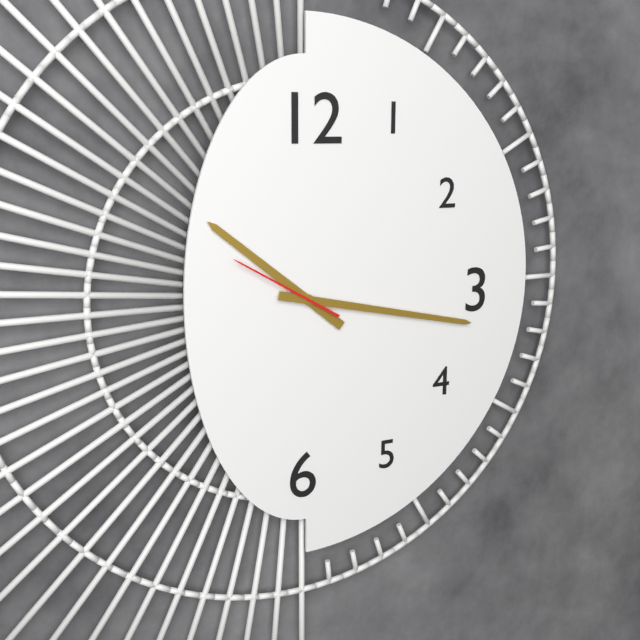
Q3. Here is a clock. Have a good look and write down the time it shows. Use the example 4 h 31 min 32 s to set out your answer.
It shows 10 h 17 min 50 s
